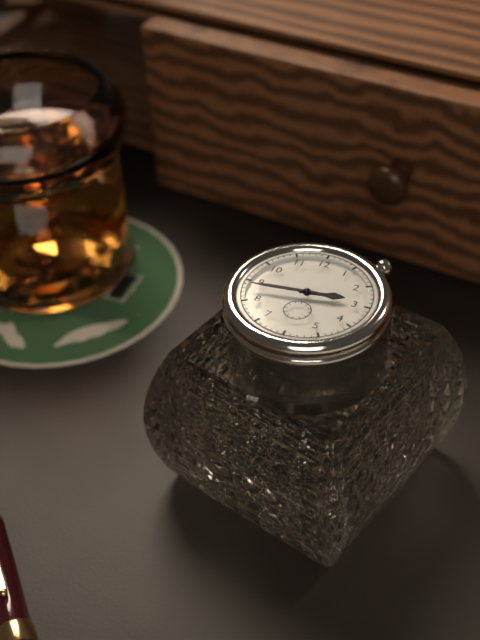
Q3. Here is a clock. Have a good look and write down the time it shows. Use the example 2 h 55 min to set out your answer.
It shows 2 h 44 min
